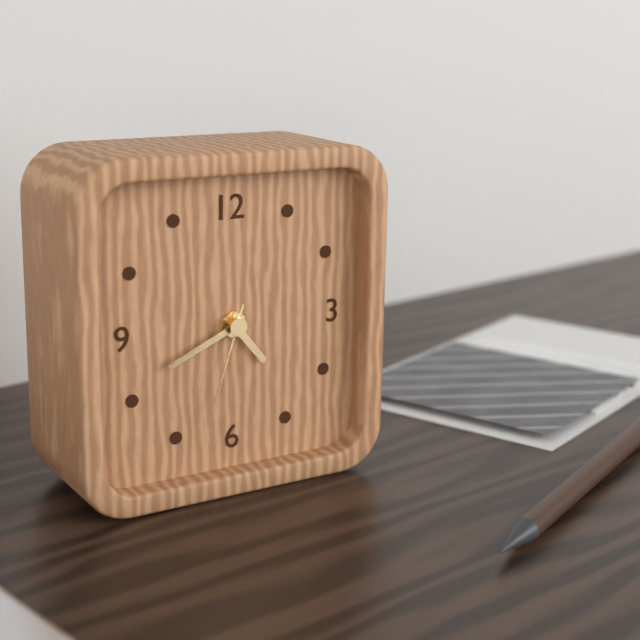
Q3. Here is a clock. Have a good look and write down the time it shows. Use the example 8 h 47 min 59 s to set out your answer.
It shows 4 h 41 min 33 s
